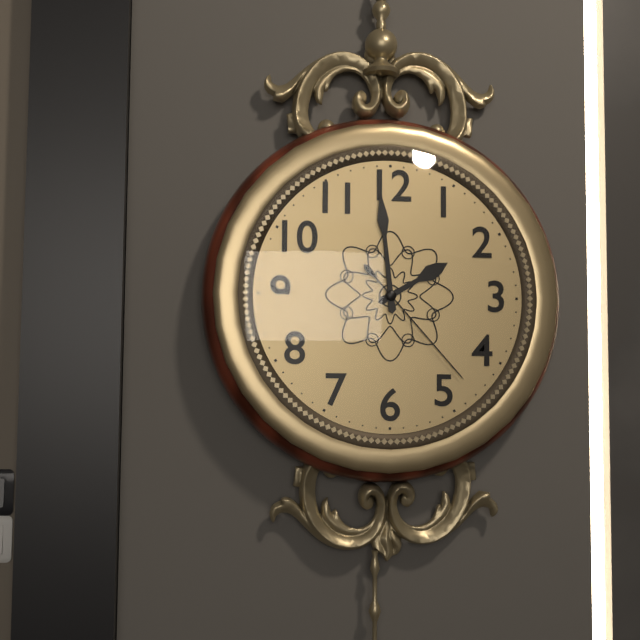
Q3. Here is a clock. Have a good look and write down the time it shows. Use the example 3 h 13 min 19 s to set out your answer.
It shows 1 h 59 min 23 s
